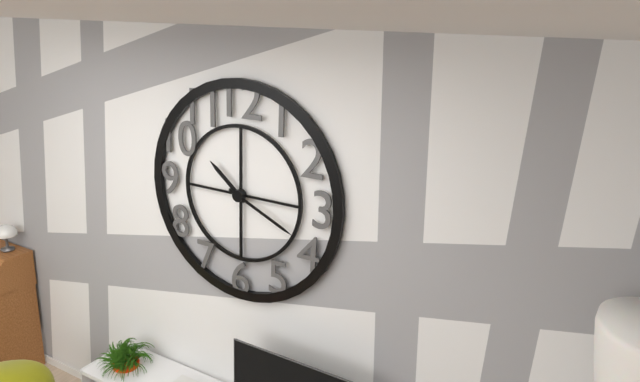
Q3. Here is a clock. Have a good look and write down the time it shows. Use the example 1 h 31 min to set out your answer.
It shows 10 h 19 min
